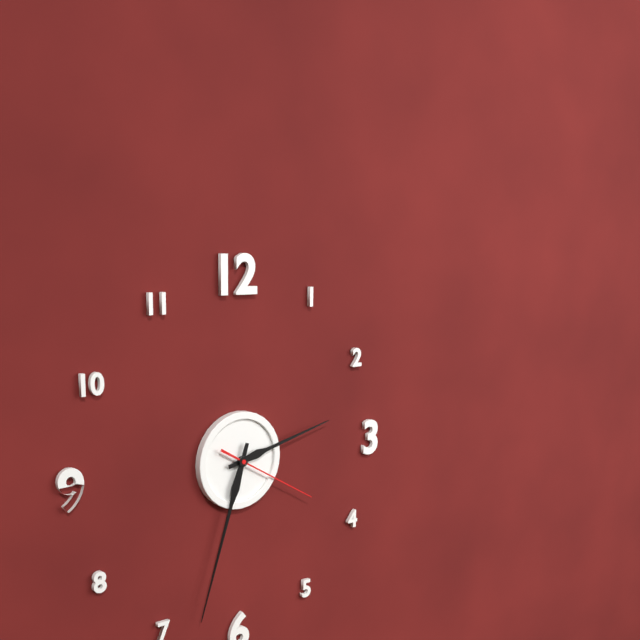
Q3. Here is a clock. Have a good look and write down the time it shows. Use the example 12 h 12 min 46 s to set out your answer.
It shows 2 h 33 min 20 s
